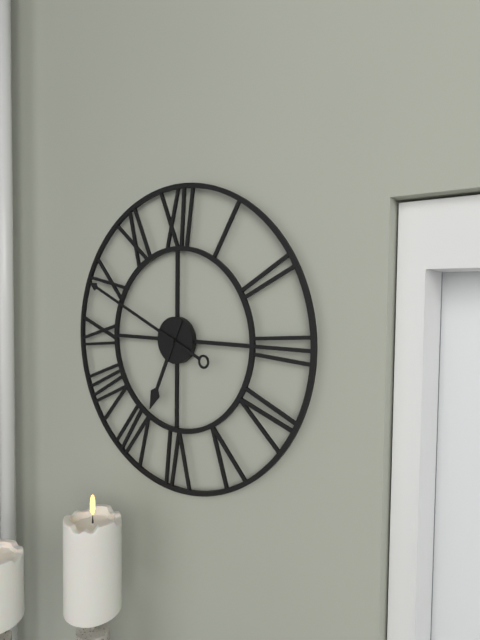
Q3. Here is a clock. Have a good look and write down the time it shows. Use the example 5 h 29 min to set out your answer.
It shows 6 h 49 min
